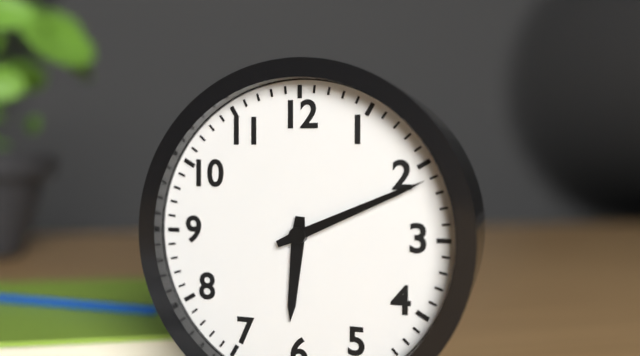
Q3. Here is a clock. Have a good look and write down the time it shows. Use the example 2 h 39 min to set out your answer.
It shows 6 h 11 min
